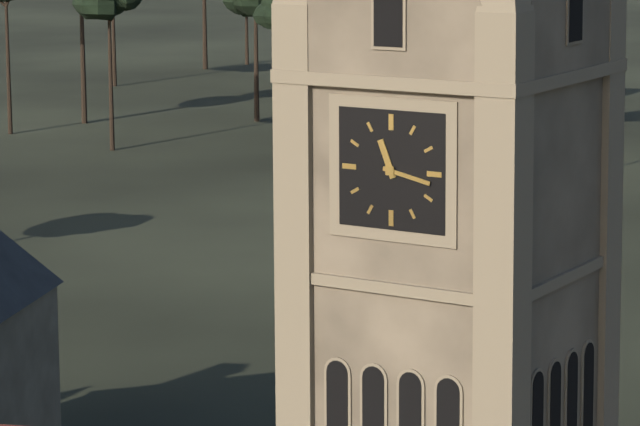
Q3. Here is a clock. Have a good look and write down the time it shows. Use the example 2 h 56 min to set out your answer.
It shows 11 h 17 min
